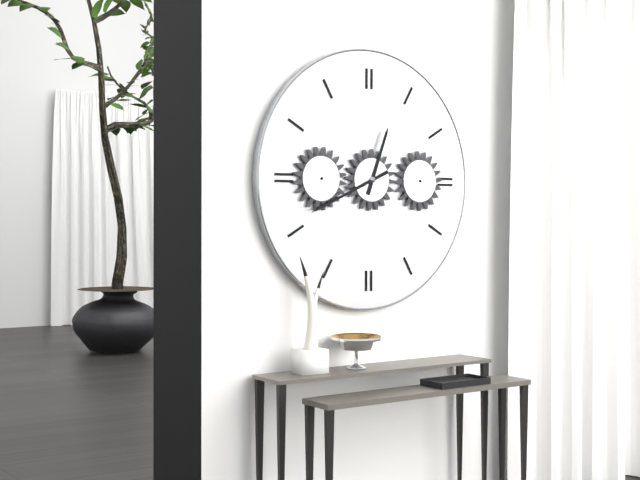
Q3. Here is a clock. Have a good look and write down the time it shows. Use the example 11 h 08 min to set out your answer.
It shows 12 h 41 min
